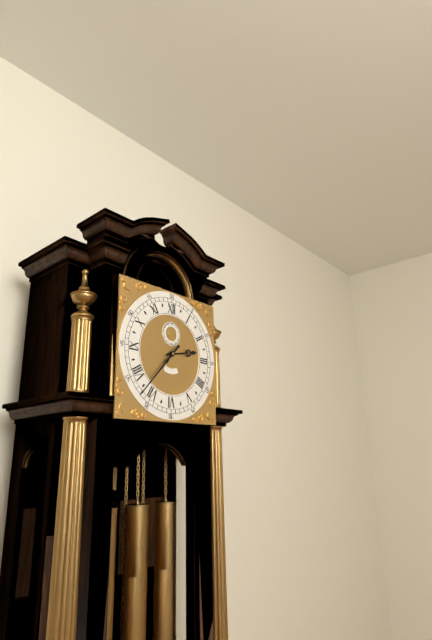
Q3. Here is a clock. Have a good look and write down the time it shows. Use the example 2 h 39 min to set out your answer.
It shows 2 h 37 min
